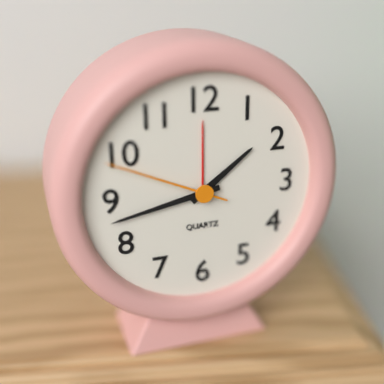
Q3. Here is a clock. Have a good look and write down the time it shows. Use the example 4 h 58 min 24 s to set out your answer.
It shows 1 h 43 min 49 s
